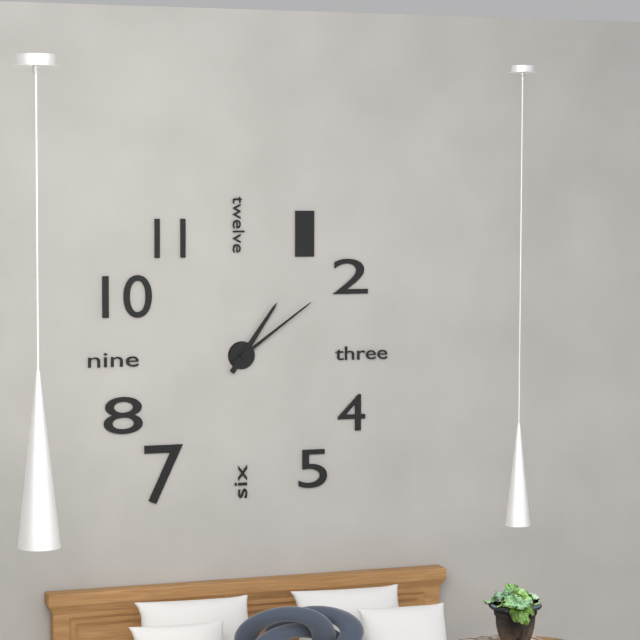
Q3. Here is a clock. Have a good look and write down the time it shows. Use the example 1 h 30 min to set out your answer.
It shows 1 h 09 min
